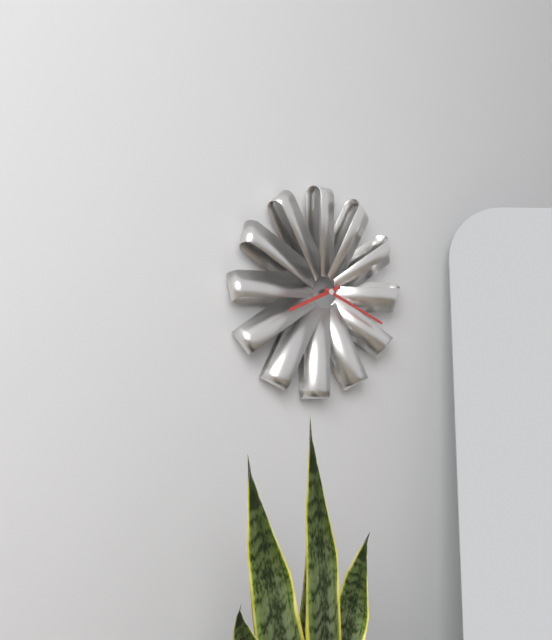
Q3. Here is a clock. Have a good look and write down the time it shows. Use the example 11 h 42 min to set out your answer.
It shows 8 h 19 min
